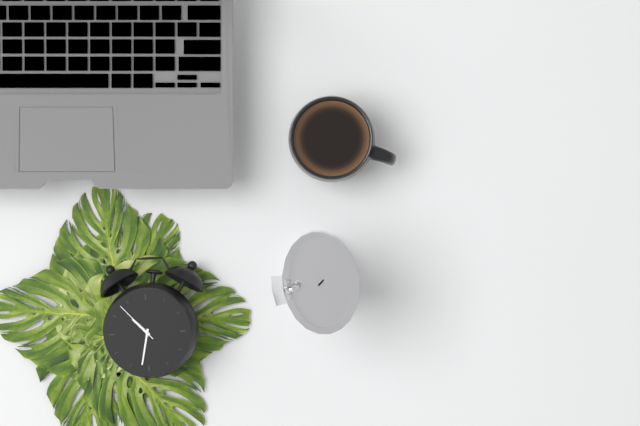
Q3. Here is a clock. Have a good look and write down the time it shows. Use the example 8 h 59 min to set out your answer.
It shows 10 h 32 min
